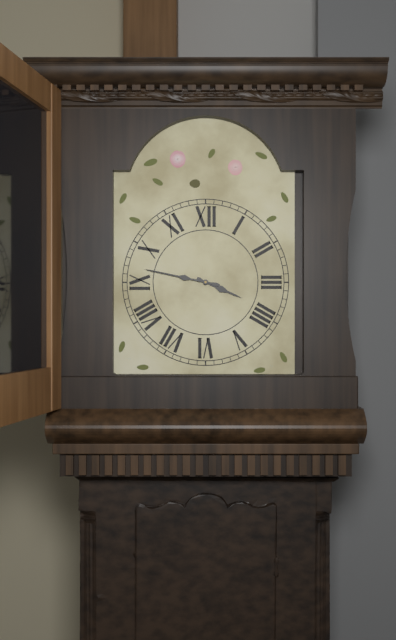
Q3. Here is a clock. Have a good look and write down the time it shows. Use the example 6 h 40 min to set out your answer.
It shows 3 h 47 min
